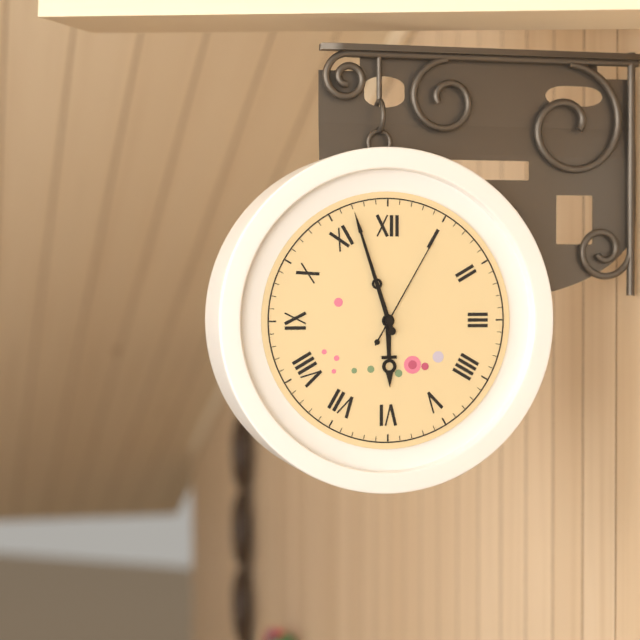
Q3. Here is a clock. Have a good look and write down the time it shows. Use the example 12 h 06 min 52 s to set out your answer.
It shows 5 h 57 min 05 s
